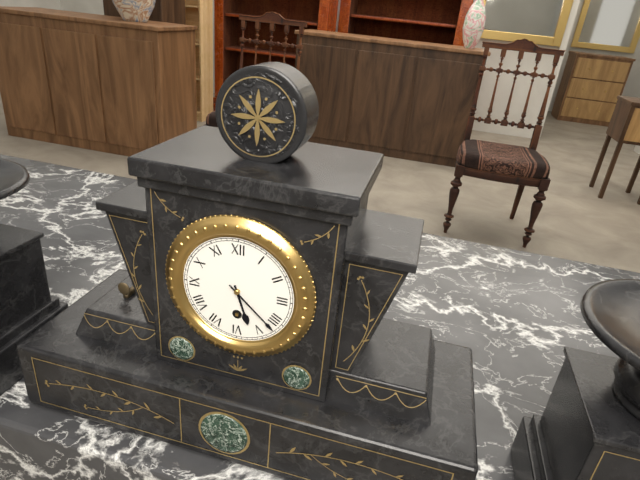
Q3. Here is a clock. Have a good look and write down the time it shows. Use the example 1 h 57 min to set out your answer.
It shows 5 h 22 min
